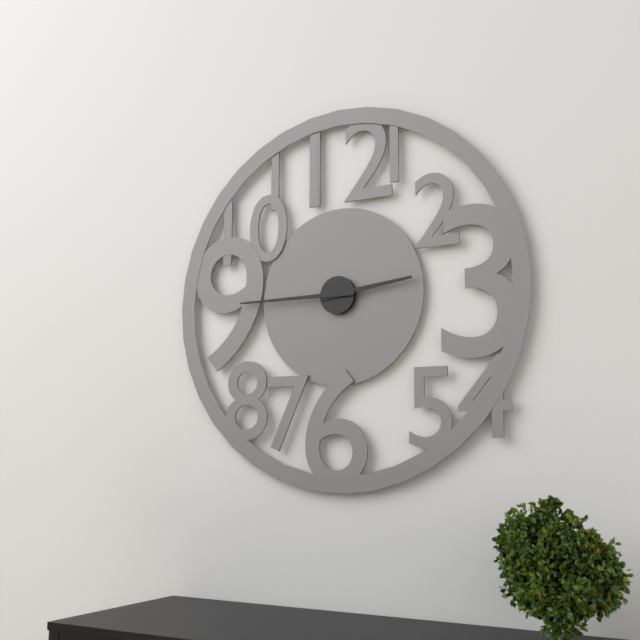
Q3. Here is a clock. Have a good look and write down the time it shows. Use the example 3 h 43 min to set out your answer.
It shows 2 h 45 min
